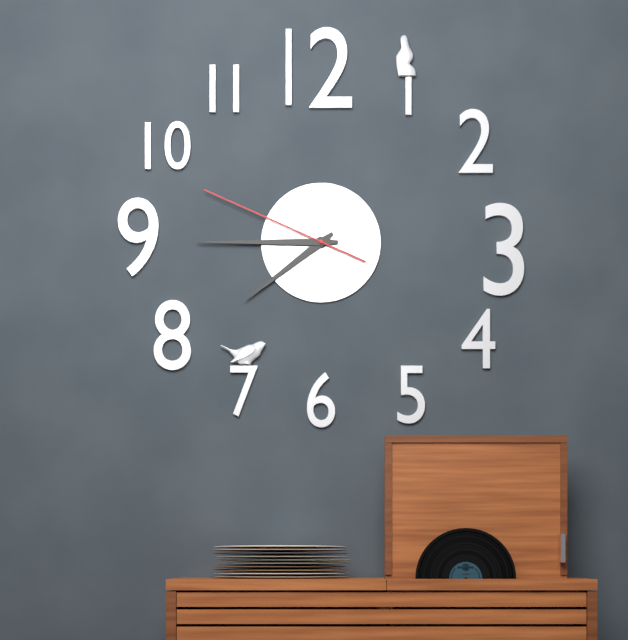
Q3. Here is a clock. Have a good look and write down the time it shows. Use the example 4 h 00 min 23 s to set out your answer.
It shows 7 h 45 min 49 s
